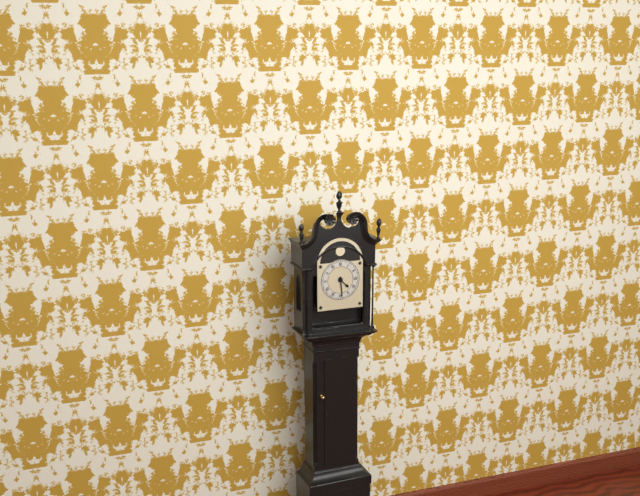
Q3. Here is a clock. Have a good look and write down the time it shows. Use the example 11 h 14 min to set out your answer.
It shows 4 h 29 min
